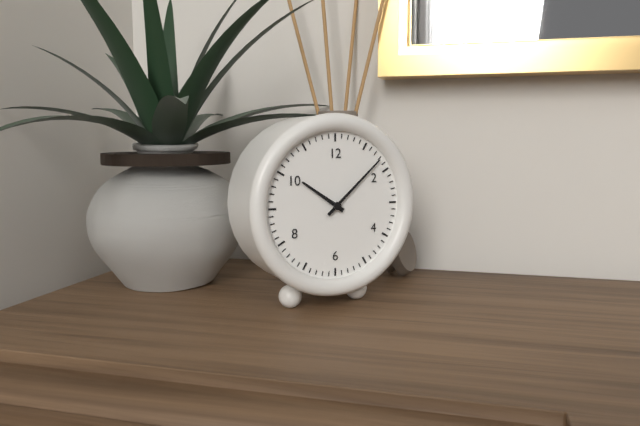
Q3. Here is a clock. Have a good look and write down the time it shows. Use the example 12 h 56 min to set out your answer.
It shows 10 h 08 min
